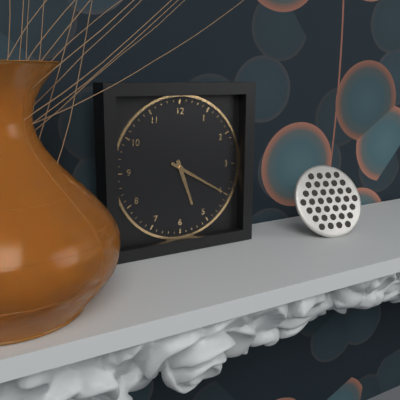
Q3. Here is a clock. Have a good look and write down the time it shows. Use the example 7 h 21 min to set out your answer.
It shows 5 h 20 min
